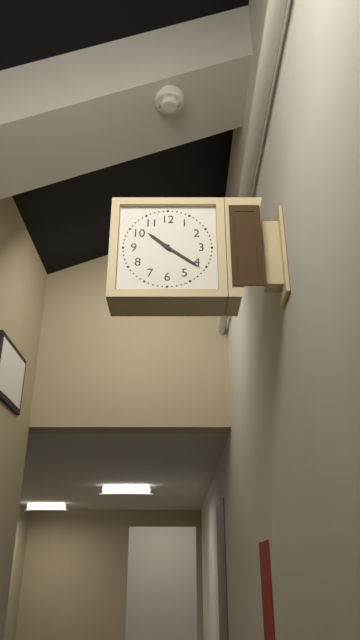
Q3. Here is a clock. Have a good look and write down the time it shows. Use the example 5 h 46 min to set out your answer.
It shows 10 h 21 min
